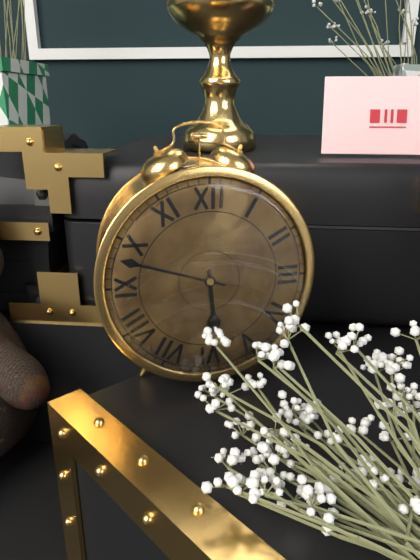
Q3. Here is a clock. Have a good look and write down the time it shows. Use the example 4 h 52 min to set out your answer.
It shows 5 h 48 min
